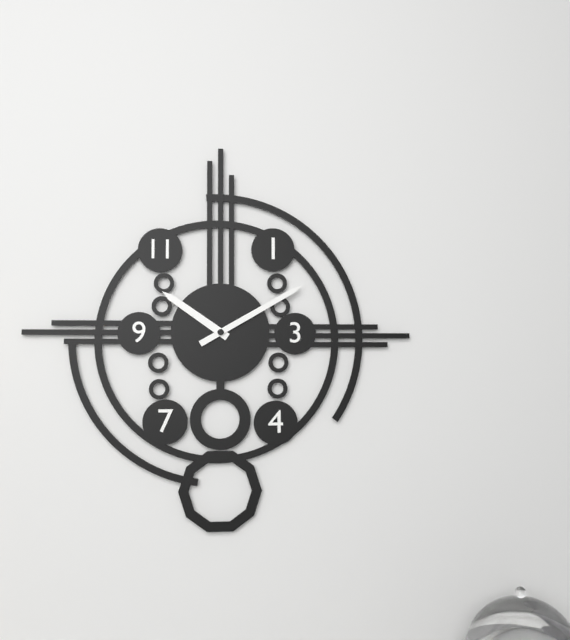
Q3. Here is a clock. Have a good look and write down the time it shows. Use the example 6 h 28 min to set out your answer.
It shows 10 h 10 min
